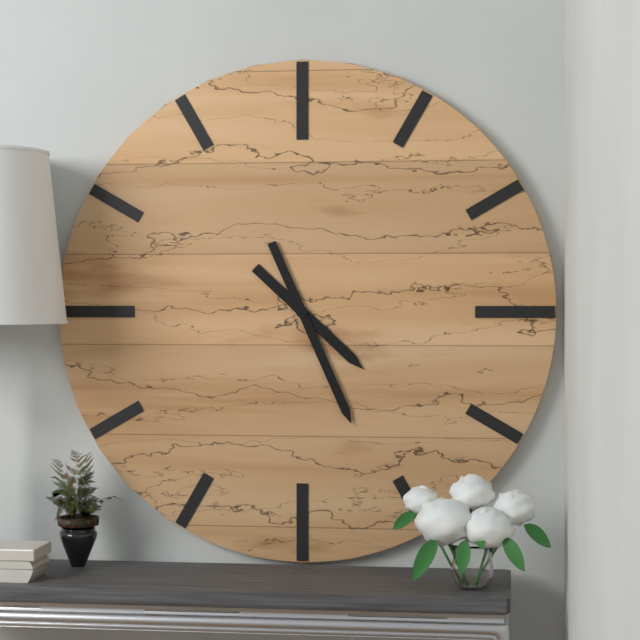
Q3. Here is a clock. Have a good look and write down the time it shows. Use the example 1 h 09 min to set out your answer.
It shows 4 h 26 min
